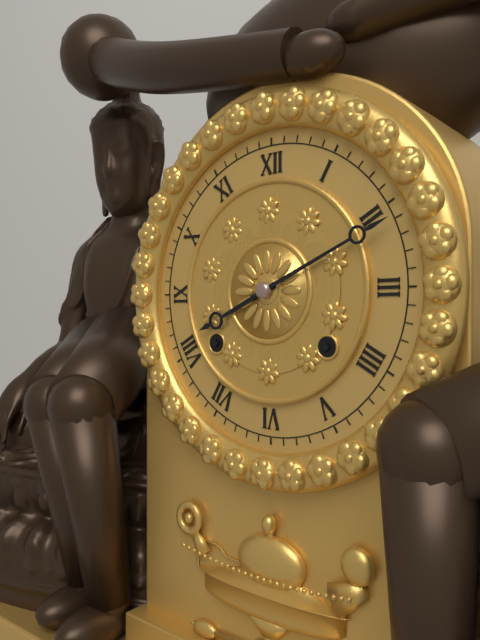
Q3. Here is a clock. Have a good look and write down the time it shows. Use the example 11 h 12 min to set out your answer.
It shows 8 h 11 min
